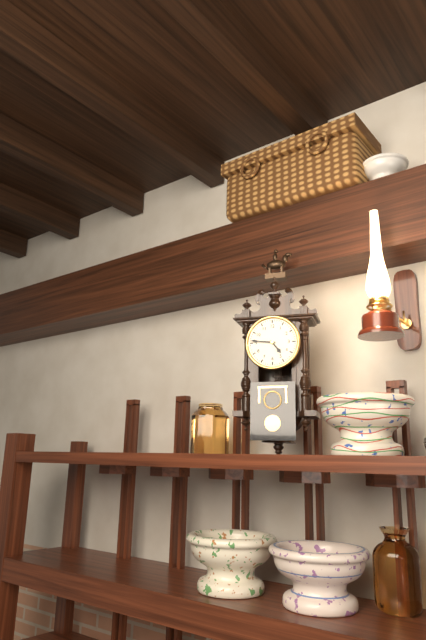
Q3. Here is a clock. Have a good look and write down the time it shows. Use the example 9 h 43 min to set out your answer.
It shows 4 h 46 min
